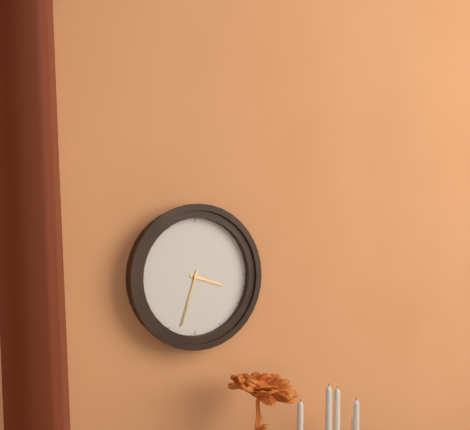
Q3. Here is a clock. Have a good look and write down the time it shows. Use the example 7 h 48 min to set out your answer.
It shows 3 h 33 min
